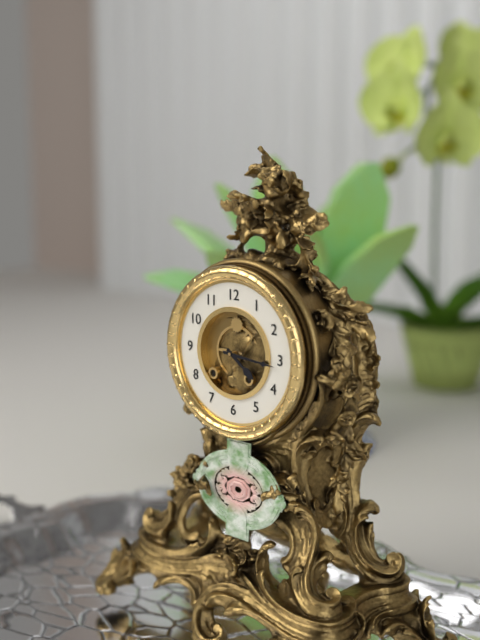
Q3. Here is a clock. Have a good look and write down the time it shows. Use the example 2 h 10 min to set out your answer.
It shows 4 h 16 min
